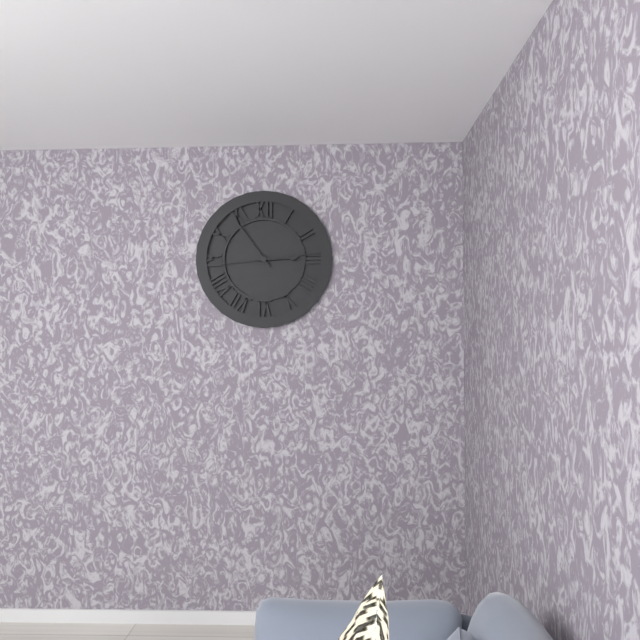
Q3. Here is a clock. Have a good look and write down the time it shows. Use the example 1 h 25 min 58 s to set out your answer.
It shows 2 h 54 min 14 s
